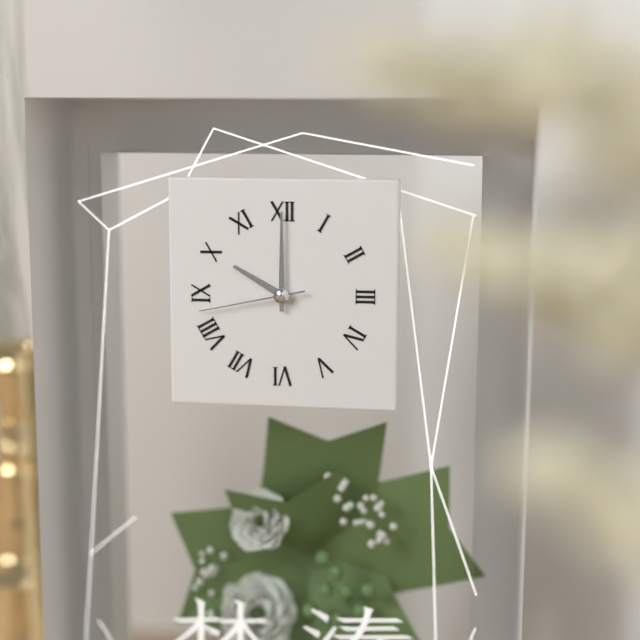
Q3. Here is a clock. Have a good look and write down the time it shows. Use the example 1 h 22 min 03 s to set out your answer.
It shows 10 h 00 min 43 s
